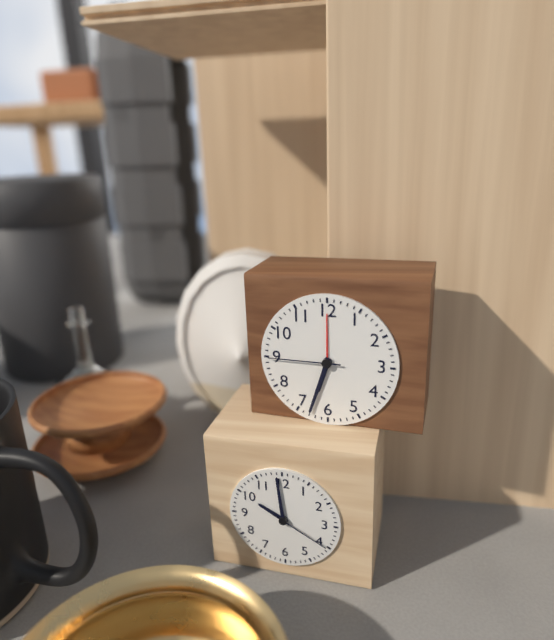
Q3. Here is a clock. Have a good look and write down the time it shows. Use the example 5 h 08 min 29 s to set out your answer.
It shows 6 h 33 min 45 s
